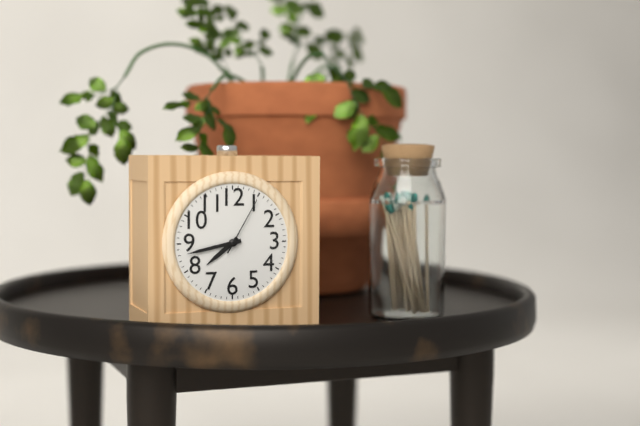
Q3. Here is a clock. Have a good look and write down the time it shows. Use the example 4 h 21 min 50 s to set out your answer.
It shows 7 h 43 min 05 s
